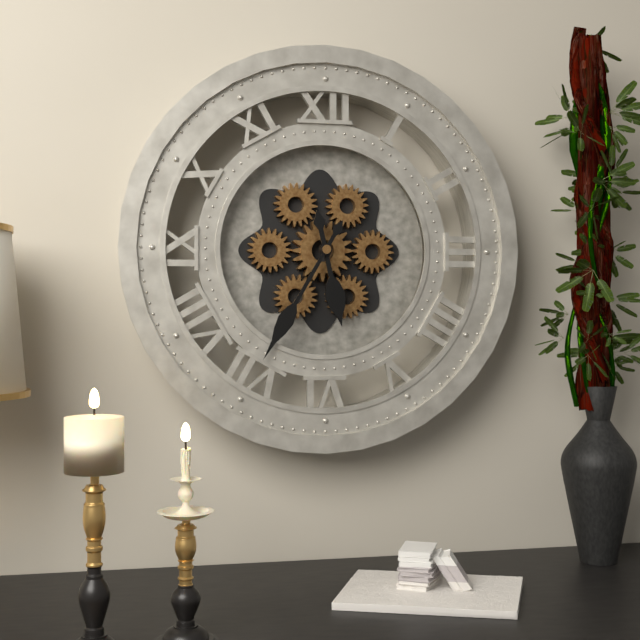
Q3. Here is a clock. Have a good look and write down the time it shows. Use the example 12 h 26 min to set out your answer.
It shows 5 h 35 min
